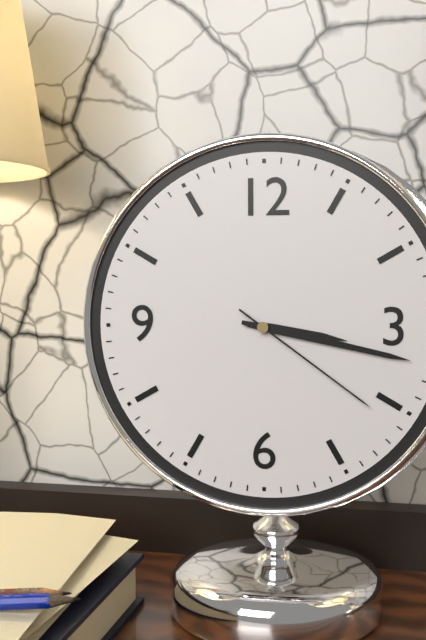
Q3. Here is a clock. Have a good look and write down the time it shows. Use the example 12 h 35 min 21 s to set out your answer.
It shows 3 h 17 min 21 s
